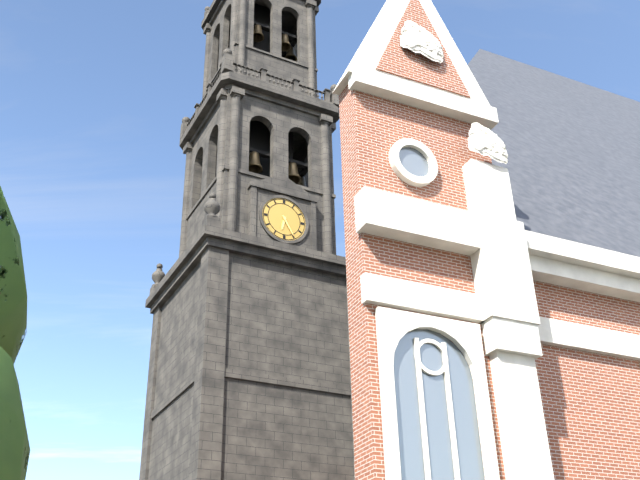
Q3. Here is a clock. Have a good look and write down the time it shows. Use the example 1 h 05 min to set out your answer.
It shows 6 h 25 min
